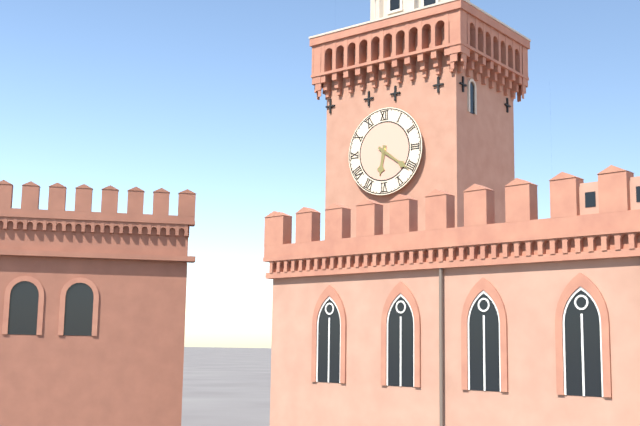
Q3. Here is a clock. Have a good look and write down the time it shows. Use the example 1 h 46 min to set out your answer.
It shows 6 h 21 min
